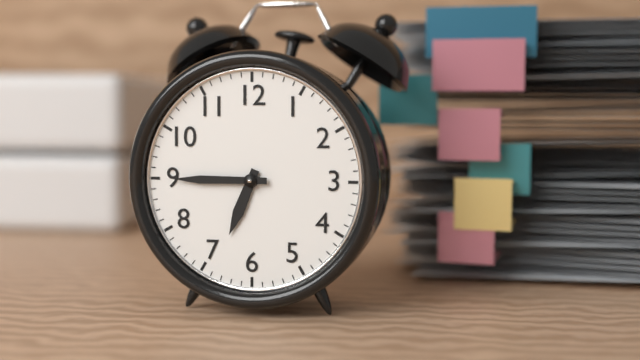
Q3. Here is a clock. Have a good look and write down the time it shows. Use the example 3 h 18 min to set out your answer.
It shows 6 h 45 min
